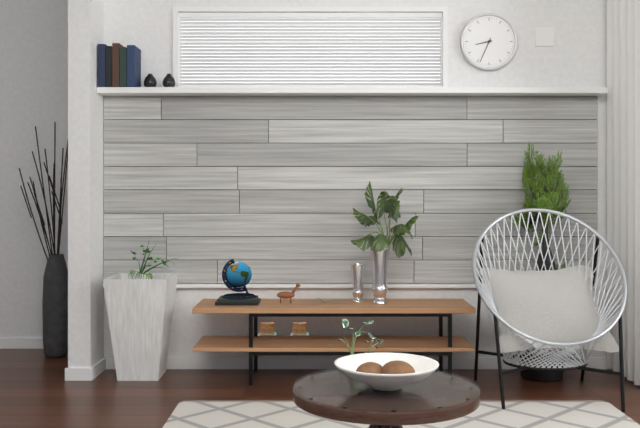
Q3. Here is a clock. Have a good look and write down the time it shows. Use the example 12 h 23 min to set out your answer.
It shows 8 h 34 min
